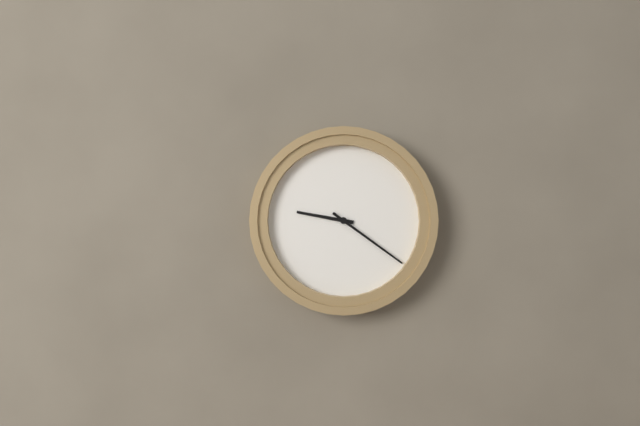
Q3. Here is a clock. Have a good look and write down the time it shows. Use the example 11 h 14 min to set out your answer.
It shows 9 h 21 min
